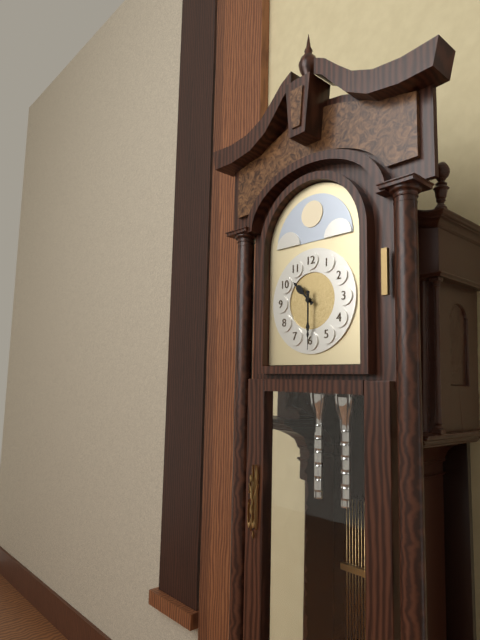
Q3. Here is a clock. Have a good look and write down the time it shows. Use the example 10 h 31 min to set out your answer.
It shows 10 h 30 min
